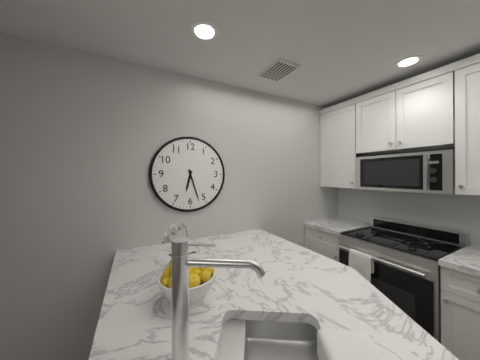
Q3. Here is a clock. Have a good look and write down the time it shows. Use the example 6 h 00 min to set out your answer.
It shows 6 h 27 min
